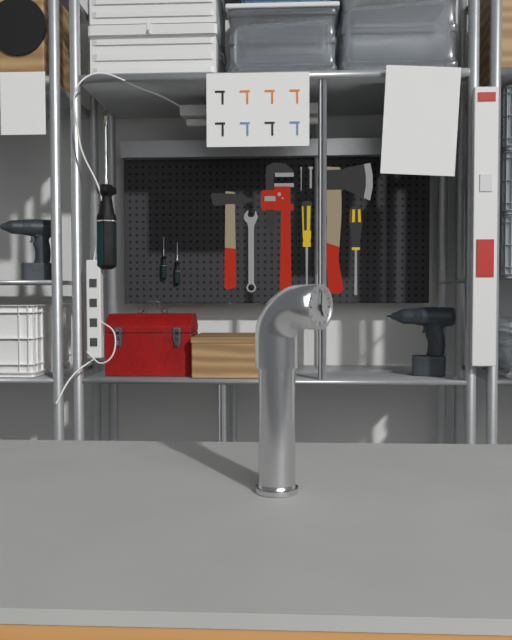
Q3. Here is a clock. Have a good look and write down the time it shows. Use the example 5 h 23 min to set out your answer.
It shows 5 h 01 min
